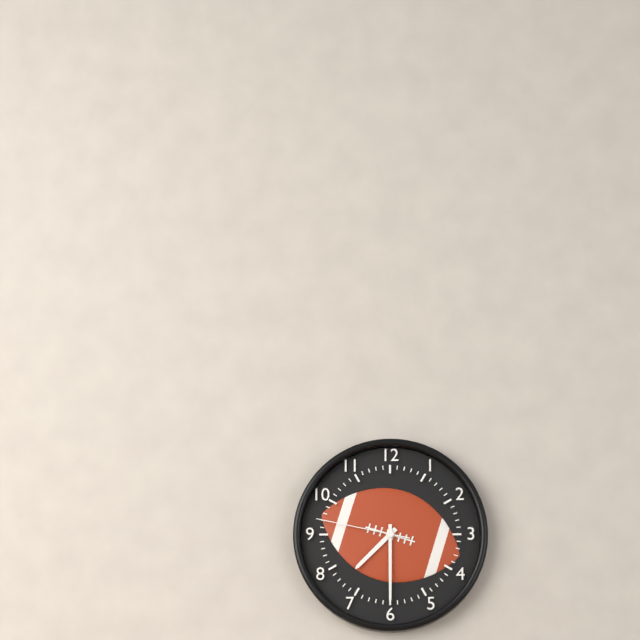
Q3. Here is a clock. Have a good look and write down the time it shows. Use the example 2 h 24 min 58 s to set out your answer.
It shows 7 h 30 min 47 s
